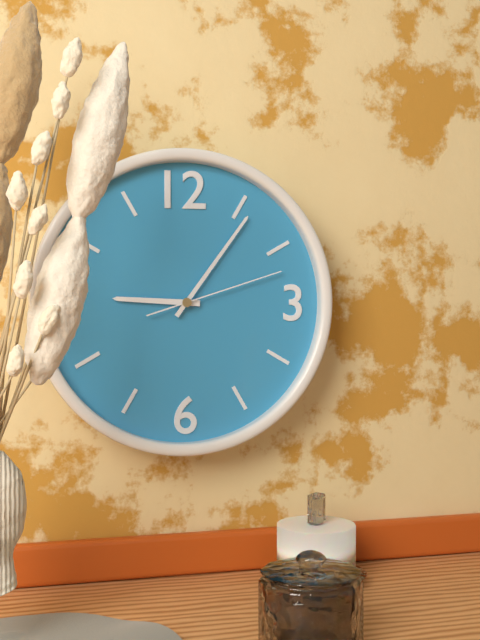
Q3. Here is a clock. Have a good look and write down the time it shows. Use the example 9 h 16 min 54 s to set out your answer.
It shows 9 h 06 min 12 s
